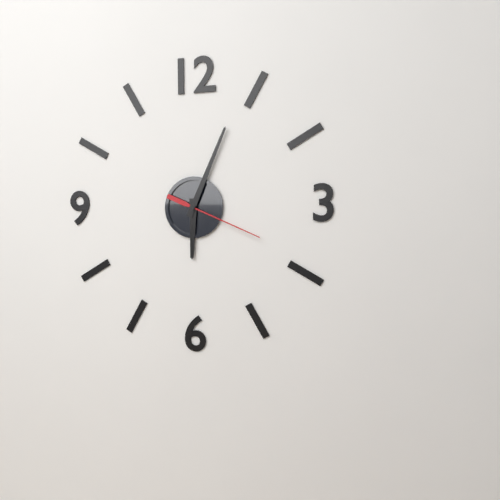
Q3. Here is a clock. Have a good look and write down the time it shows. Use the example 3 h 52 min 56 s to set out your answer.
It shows 6 h 04 min 19 s
